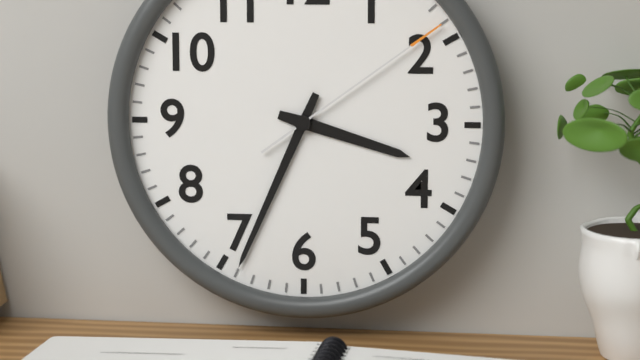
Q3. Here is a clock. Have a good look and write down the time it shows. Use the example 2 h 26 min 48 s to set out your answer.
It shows 3 h 34 min 09 s
